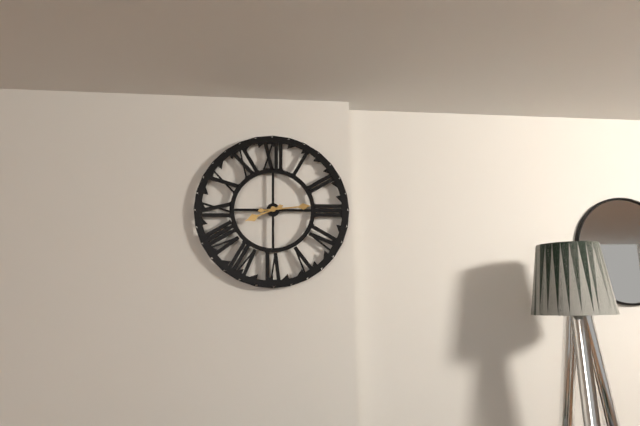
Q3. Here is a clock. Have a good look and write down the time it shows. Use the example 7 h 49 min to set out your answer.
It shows 8 h 14 min
